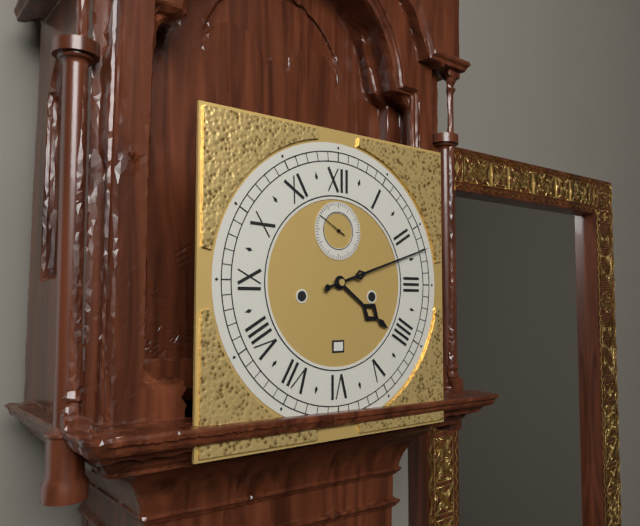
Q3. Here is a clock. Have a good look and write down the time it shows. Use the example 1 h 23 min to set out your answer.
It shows 4 h 12 min
